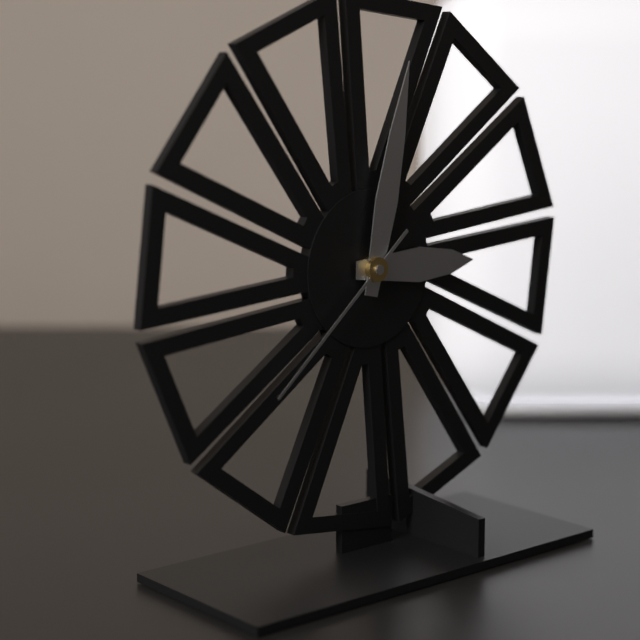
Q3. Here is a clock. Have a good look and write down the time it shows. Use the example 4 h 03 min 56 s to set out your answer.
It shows 3 h 02 min 38 s
